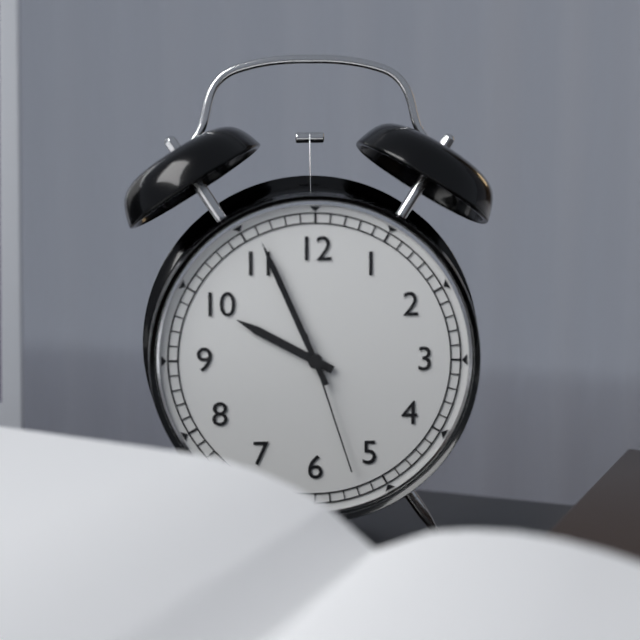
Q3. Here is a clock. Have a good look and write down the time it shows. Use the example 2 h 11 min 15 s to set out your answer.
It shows 9 h 56 min 27 s
